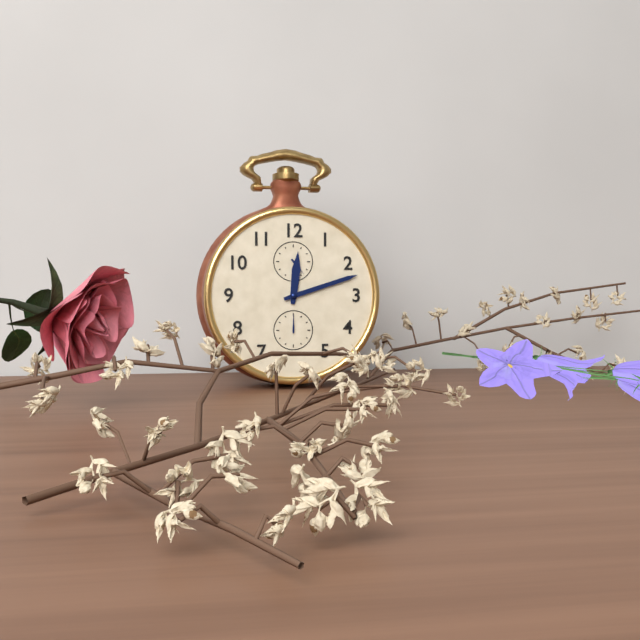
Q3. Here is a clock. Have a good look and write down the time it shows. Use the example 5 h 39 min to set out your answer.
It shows 12 h 12 min
